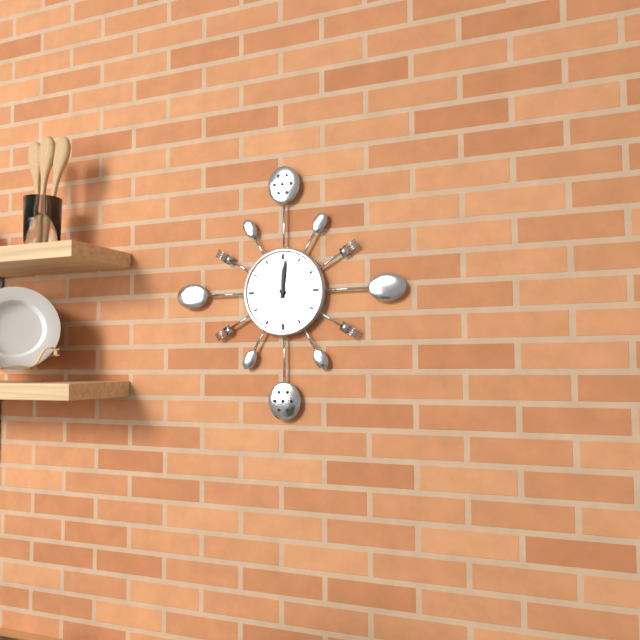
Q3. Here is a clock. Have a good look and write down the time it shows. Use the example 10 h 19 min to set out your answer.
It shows 12 h 01 min
